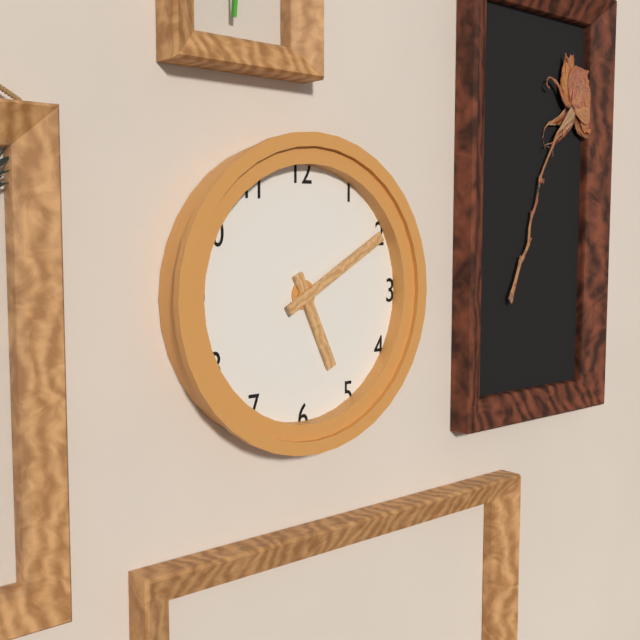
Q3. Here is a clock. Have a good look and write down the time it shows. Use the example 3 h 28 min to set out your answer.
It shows 5 h 10 min
